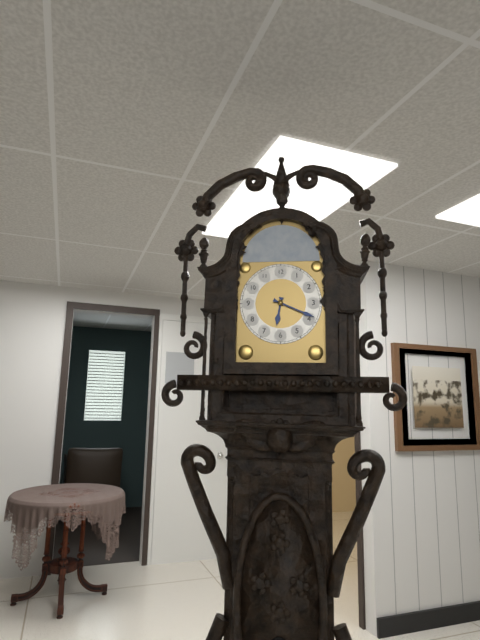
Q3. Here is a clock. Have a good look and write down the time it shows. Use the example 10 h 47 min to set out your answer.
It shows 6 h 19 min
